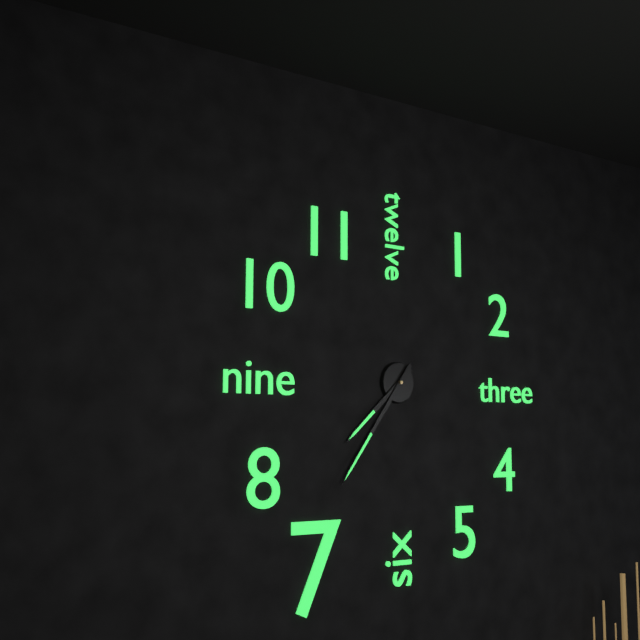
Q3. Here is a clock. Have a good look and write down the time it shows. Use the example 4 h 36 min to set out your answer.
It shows 7 h 36 min
